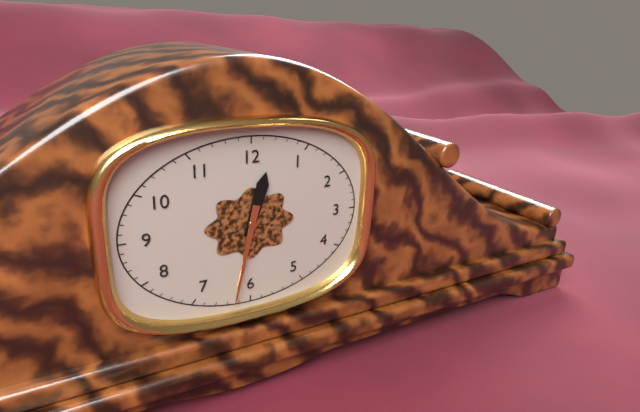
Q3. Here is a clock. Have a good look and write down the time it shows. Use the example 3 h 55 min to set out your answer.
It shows 12 h 32 min
